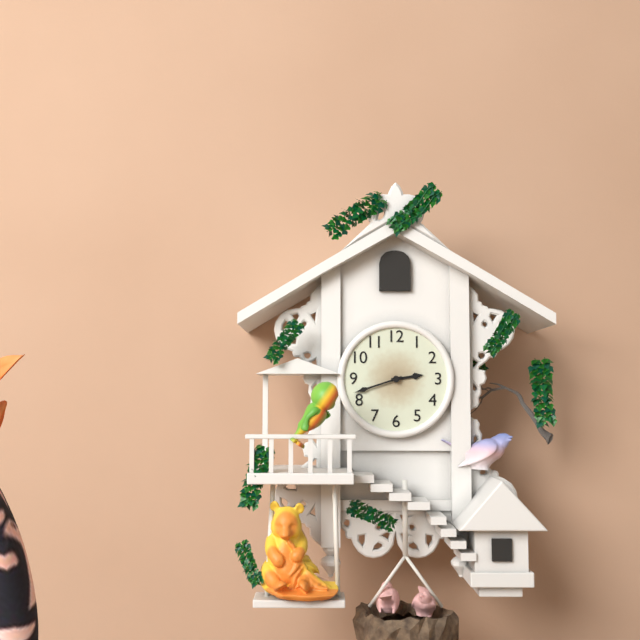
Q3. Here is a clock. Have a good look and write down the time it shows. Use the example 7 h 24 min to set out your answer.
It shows 2 h 42 min
